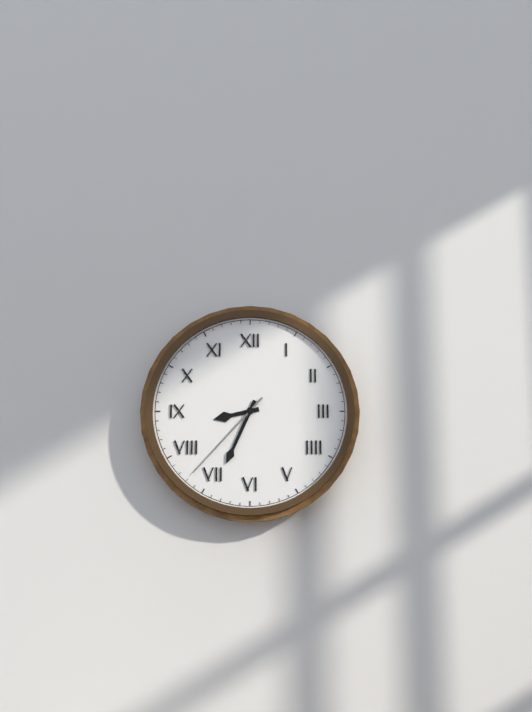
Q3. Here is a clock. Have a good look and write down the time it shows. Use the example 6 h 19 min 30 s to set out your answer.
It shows 8 h 34 min 37 s
